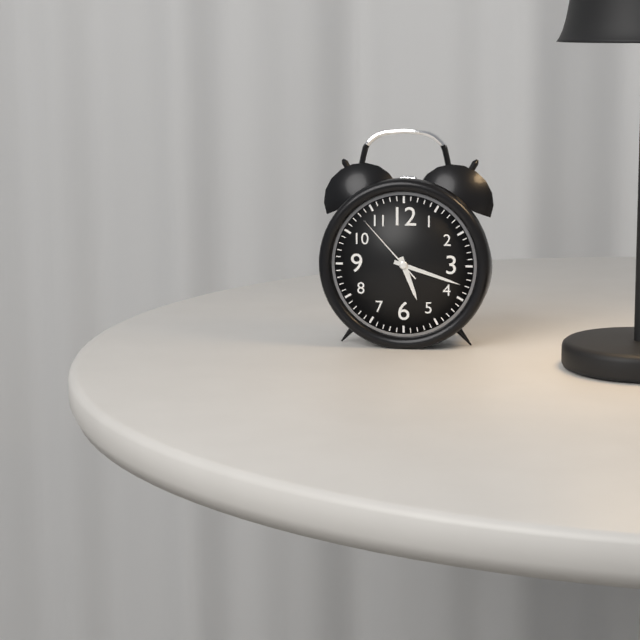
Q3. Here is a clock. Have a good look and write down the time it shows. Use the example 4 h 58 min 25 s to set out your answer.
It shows 5 h 18 min 53 s
